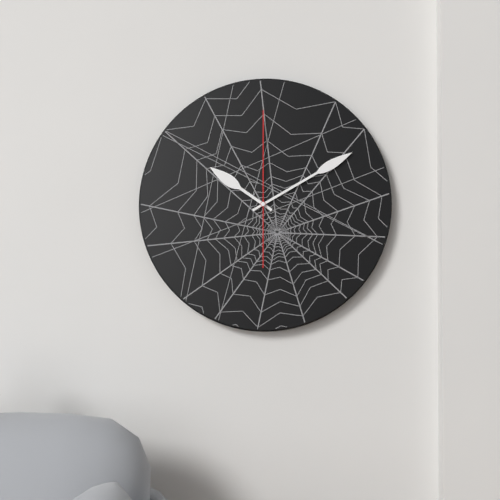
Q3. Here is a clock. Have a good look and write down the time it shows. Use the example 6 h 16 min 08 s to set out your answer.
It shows 10 h 10 min 00 s
